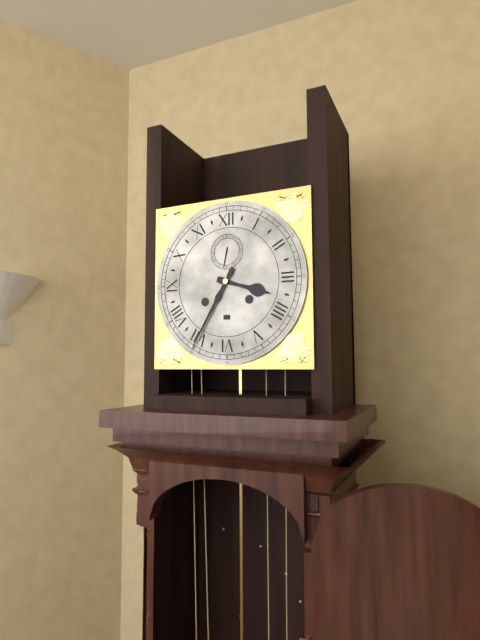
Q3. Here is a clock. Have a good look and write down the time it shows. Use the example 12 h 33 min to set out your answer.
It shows 3 h 35 min
